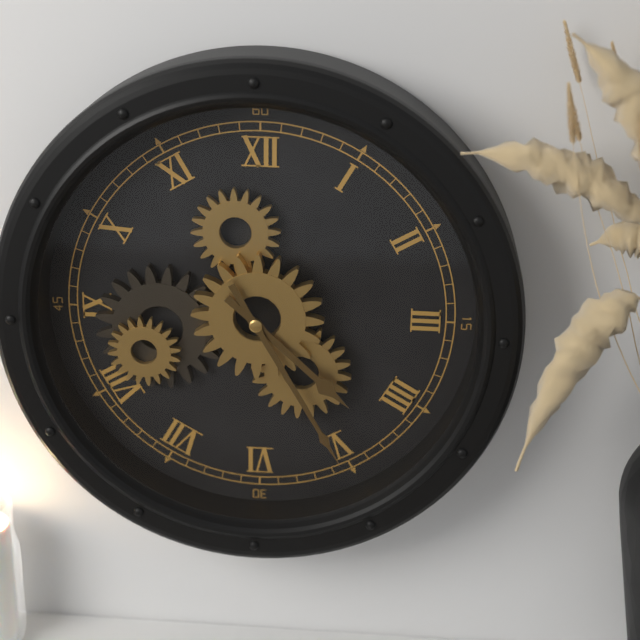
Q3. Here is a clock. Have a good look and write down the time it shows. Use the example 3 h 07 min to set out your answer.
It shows 4 h 25 min
